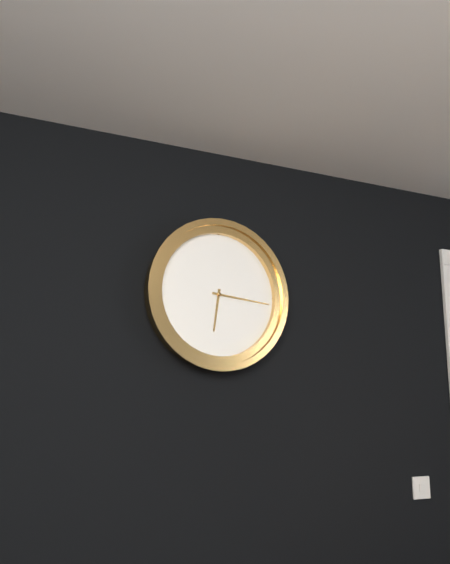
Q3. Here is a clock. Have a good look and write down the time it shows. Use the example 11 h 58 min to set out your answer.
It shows 6 h 16 min
